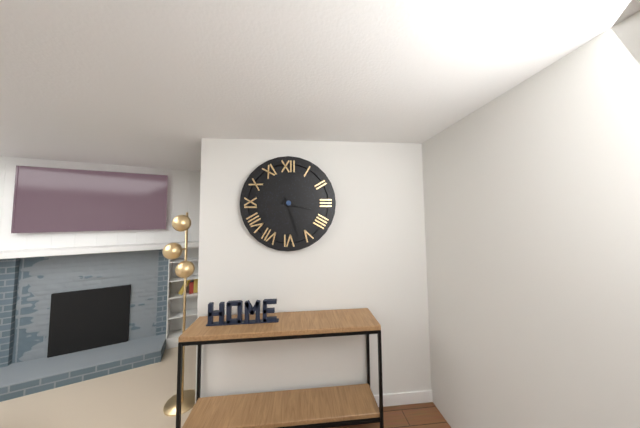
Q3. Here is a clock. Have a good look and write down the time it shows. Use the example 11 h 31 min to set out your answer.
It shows 3 h 27 min
